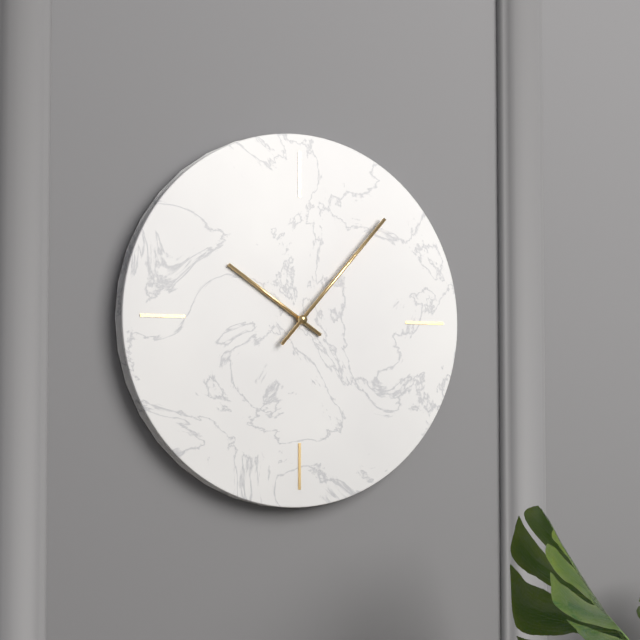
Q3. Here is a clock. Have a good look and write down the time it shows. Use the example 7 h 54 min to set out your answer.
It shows 10 h 07 min
